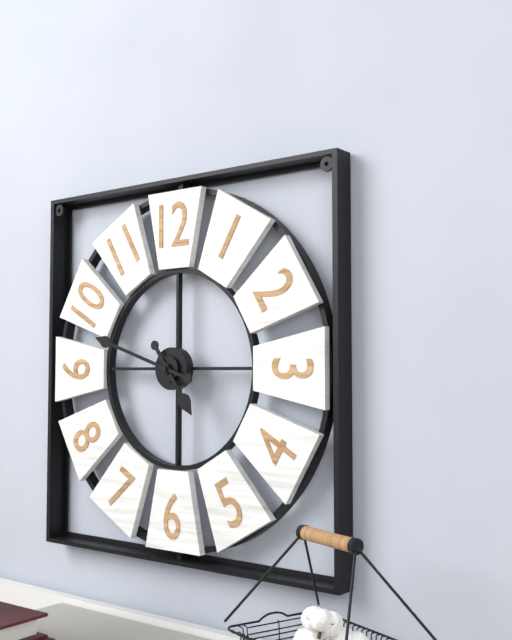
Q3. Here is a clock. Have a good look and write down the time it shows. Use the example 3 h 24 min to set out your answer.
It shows 4 h 48 min
